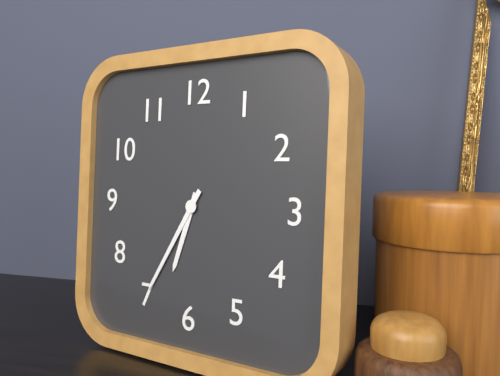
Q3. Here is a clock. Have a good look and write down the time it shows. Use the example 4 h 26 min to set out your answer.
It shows 6 h 35 min
